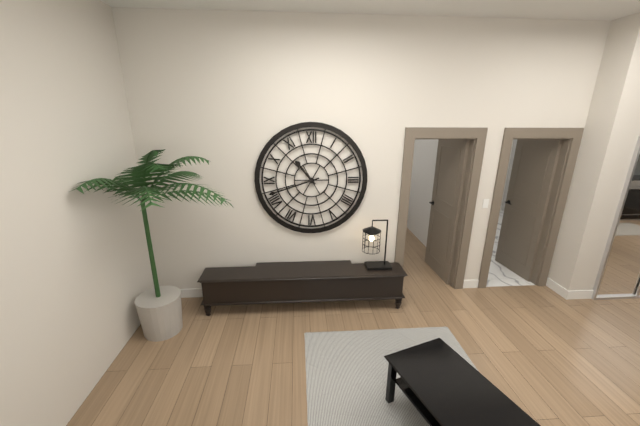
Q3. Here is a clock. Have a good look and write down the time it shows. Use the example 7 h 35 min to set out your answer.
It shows 10 h 42 min
